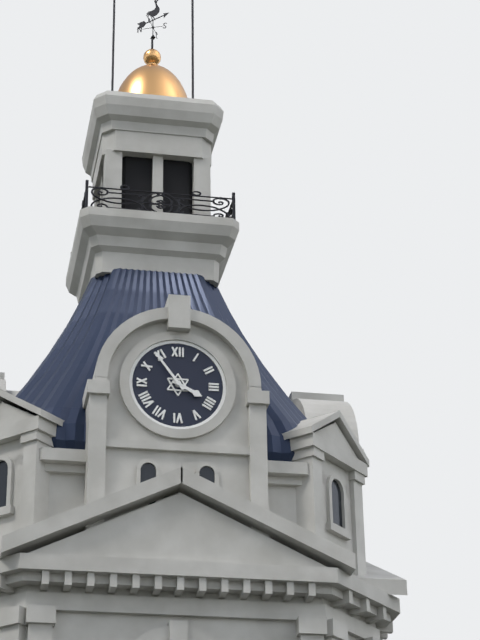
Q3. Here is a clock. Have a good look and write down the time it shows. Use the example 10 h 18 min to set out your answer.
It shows 3 h 54 min
